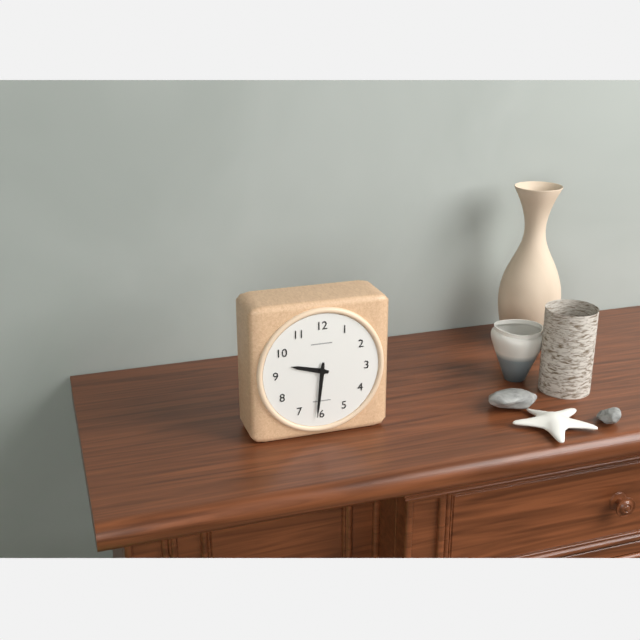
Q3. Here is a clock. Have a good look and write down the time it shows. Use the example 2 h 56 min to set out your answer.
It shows 9 h 31 min
